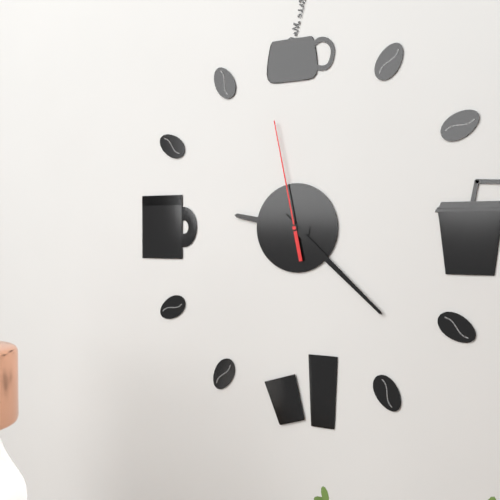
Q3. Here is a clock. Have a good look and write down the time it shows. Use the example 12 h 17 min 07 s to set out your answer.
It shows 9 h 22 min 58 s
